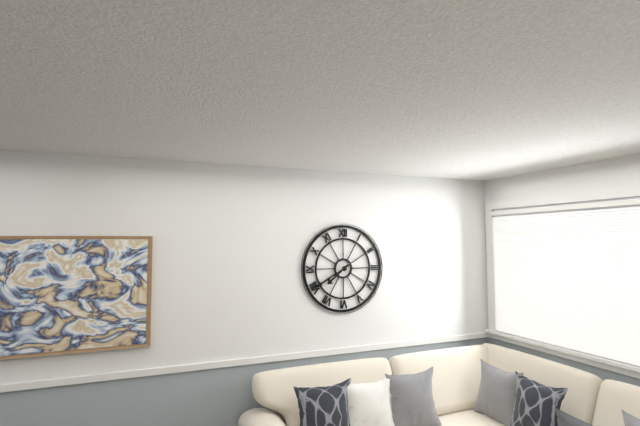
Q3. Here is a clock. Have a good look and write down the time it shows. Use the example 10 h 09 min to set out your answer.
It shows 7 h 40 min
